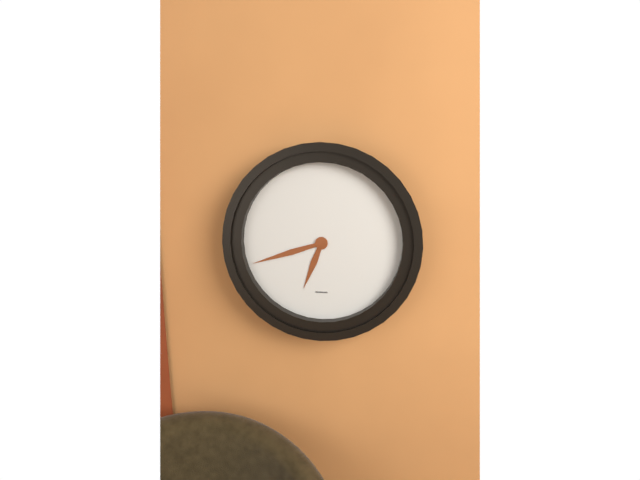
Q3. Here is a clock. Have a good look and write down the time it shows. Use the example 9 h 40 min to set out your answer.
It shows 6 h 42 min
